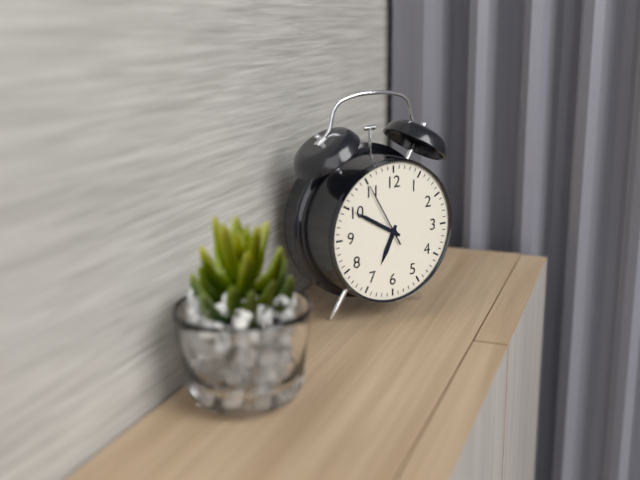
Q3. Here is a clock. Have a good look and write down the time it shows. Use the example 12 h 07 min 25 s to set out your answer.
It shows 6 h 50 min 55 s
